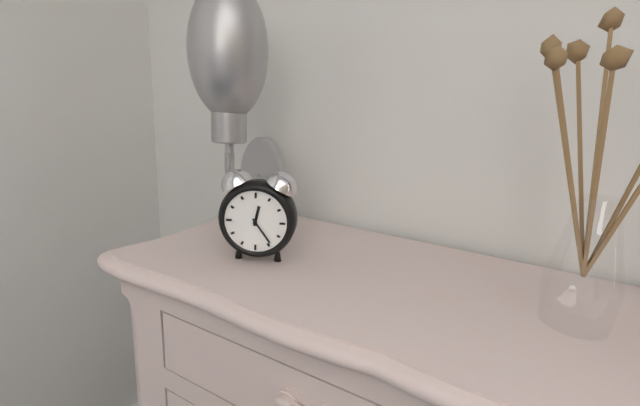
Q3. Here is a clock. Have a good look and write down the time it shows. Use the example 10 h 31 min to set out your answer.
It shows 12 h 24 min
